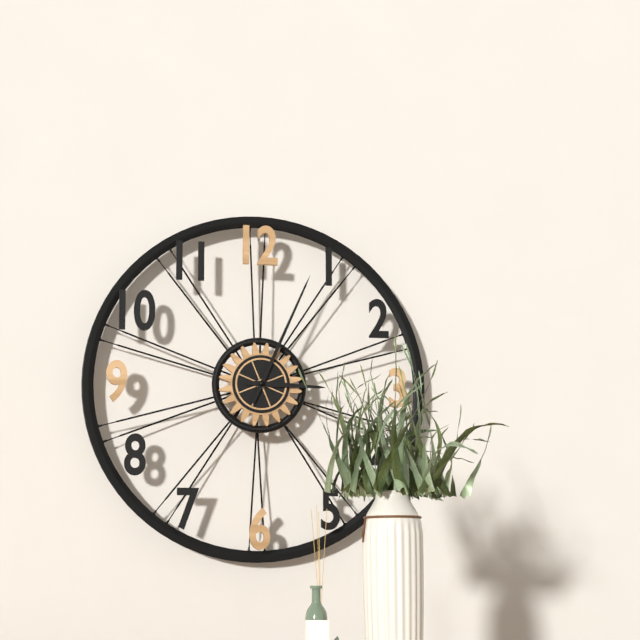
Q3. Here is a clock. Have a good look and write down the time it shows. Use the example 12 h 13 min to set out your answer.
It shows 3 h 04 min
